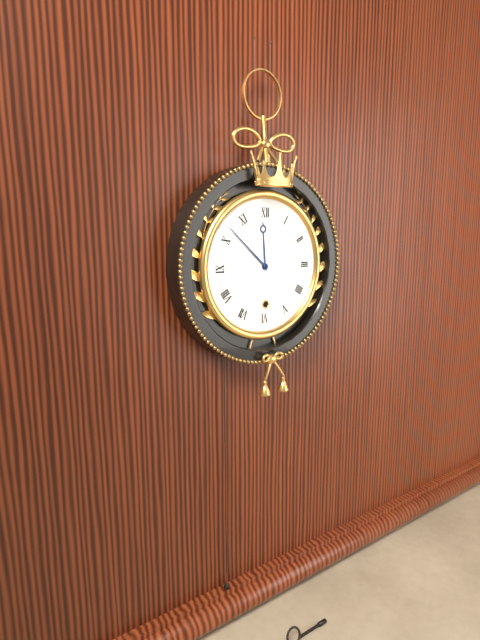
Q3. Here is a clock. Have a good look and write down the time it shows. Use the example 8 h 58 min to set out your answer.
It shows 11 h 52 min
